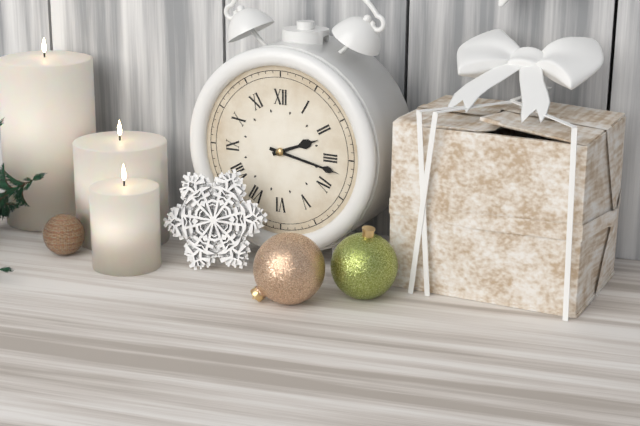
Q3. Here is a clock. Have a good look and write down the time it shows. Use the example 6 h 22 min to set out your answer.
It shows 2 h 17 min
